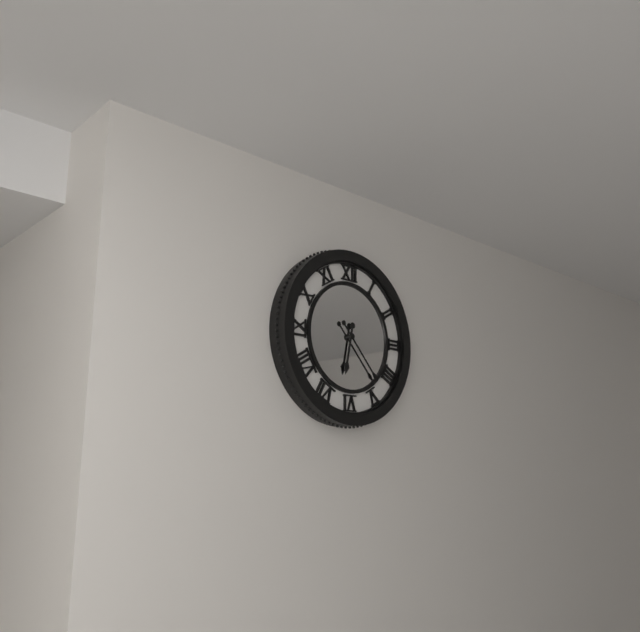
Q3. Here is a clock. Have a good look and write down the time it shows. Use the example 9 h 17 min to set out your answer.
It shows 6 h 23 min
